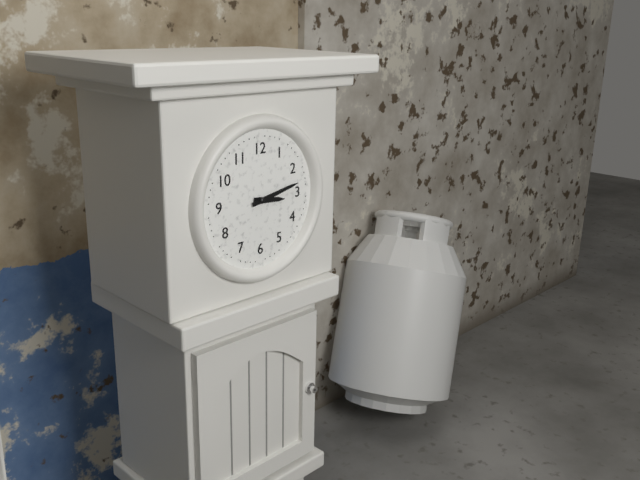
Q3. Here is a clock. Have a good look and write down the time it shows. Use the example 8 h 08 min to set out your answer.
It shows 3 h 13 min
